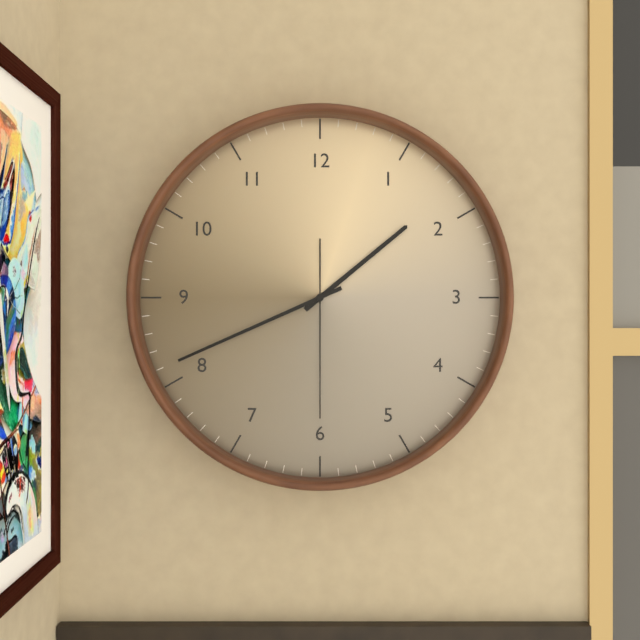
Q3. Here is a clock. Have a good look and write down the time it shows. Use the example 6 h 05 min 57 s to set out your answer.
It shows 1 h 41 min 30 s
